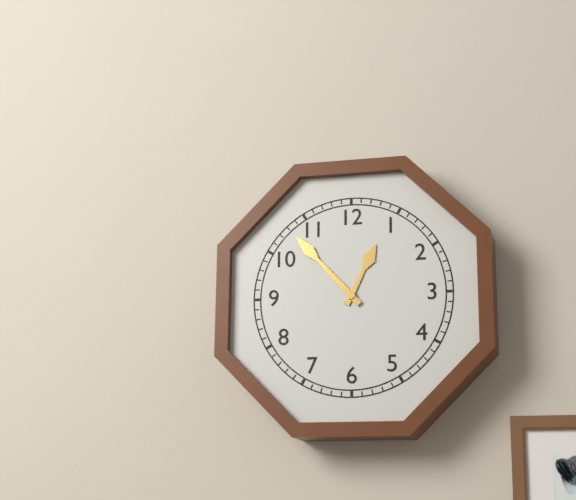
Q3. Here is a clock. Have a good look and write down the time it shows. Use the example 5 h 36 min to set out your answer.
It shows 12 h 53 min
